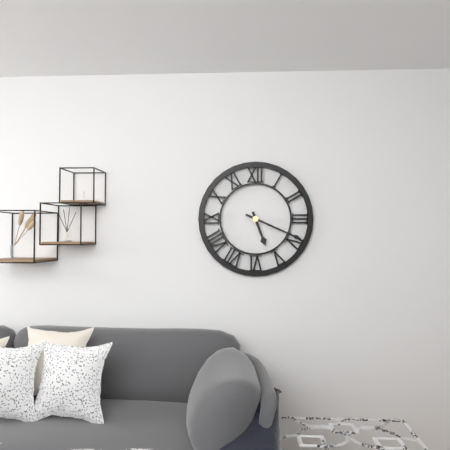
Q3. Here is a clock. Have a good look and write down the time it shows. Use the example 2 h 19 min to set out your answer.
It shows 5 h 19 min
